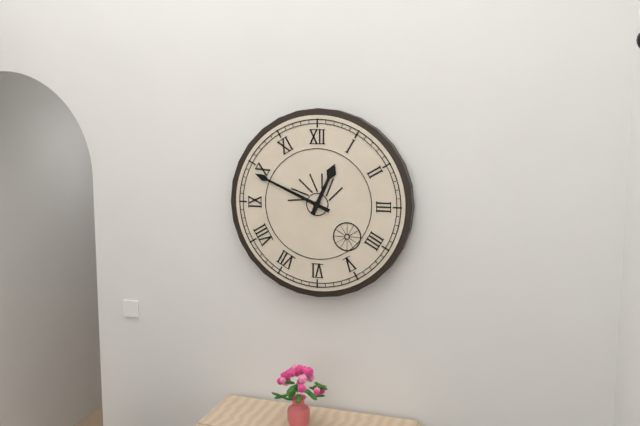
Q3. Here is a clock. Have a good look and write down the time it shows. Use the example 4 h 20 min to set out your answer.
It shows 12 h 49 min
